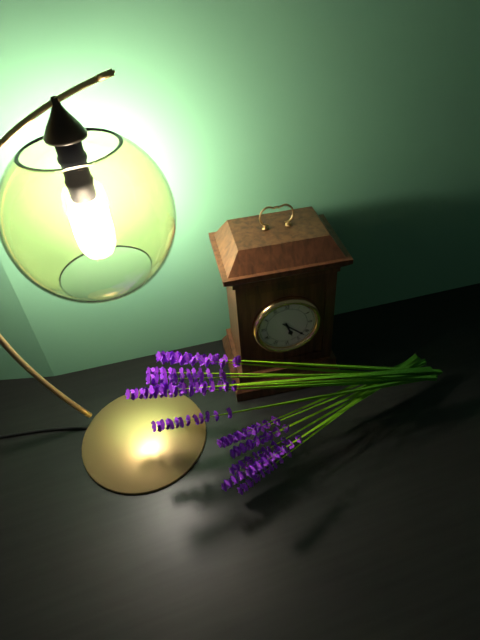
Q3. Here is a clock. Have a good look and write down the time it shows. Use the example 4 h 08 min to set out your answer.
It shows 5 h 22 min
